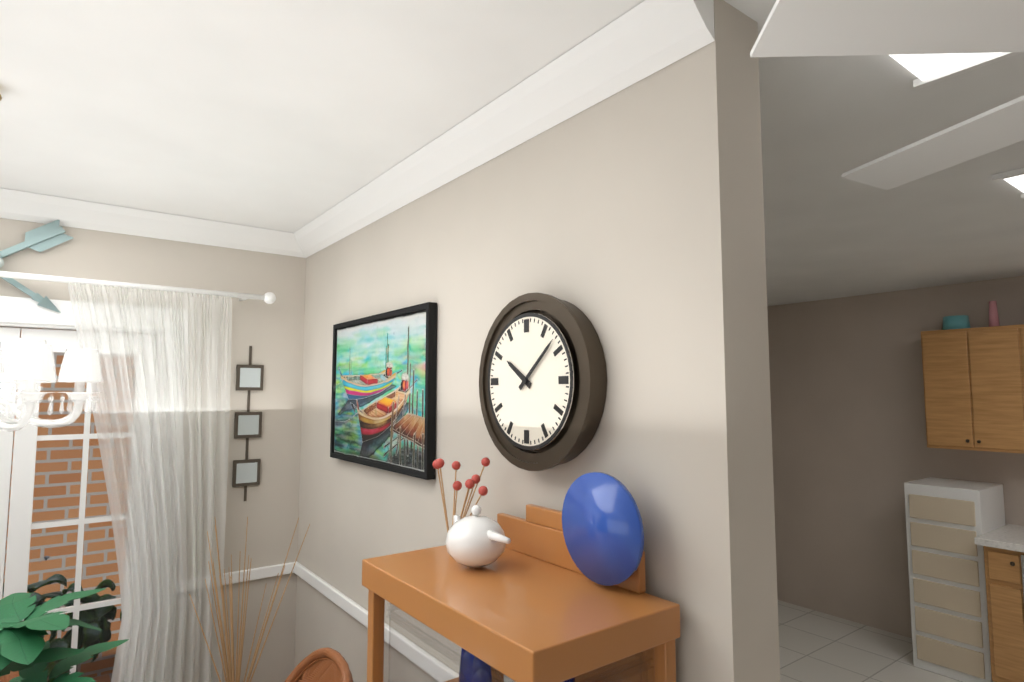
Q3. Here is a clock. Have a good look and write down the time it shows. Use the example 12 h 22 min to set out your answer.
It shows 10 h 08 min
